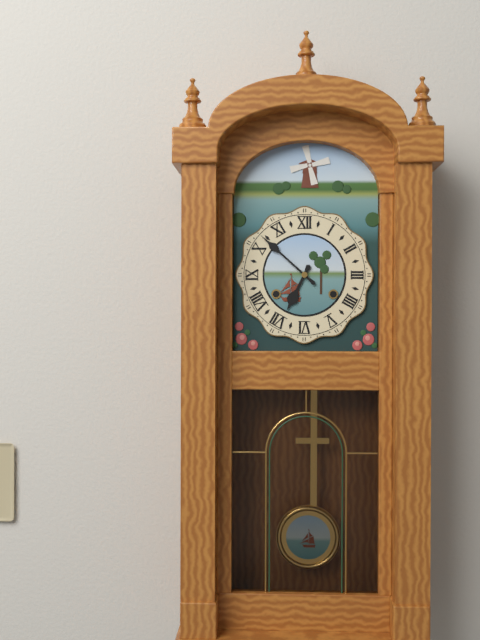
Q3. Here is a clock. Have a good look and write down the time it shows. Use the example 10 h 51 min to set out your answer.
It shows 6 h 52 min
